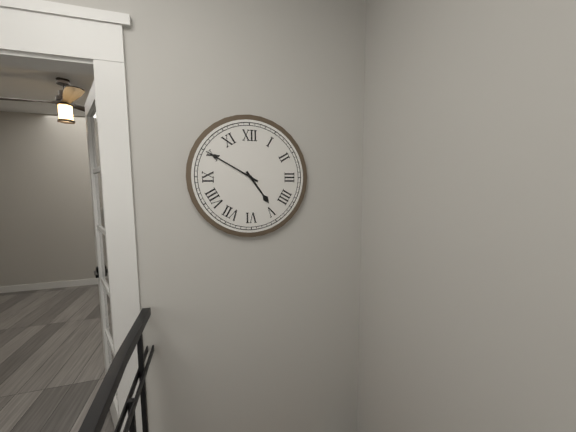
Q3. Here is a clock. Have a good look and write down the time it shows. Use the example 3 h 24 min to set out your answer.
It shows 4 h 50 min
